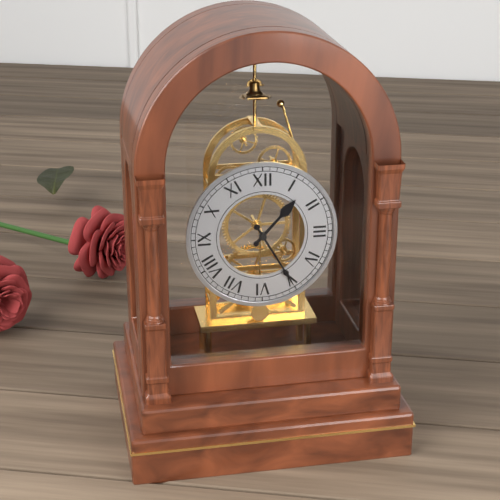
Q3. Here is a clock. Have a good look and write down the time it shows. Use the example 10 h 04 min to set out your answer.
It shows 1 h 25 min
